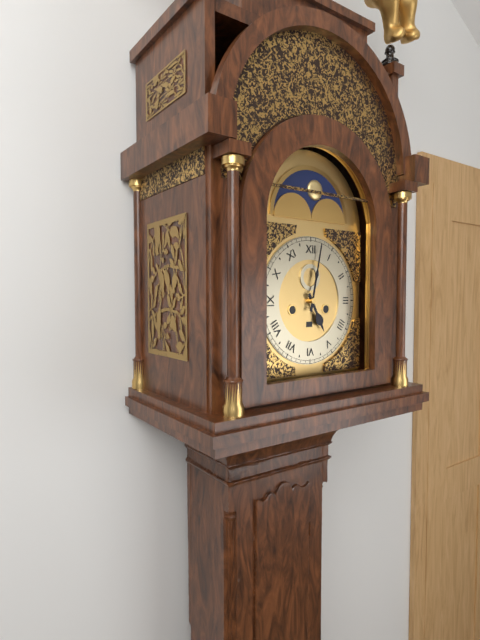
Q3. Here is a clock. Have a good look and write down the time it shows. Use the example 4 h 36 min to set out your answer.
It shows 5 h 02 min
